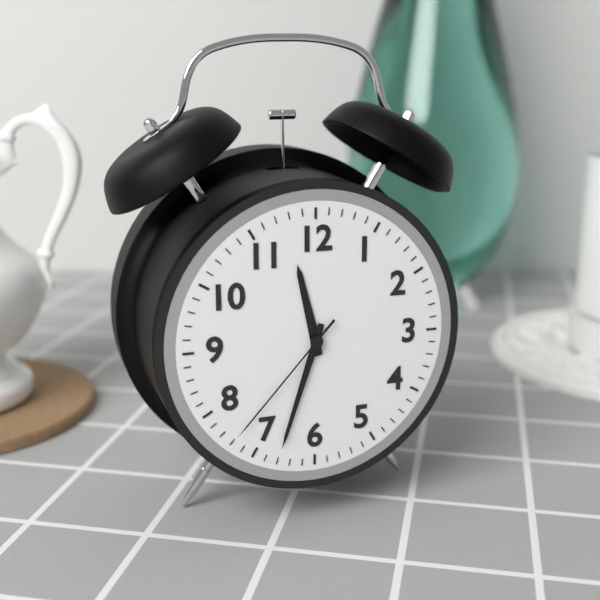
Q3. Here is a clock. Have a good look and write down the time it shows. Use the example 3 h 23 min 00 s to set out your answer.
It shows 11 h 33 min 37 s
